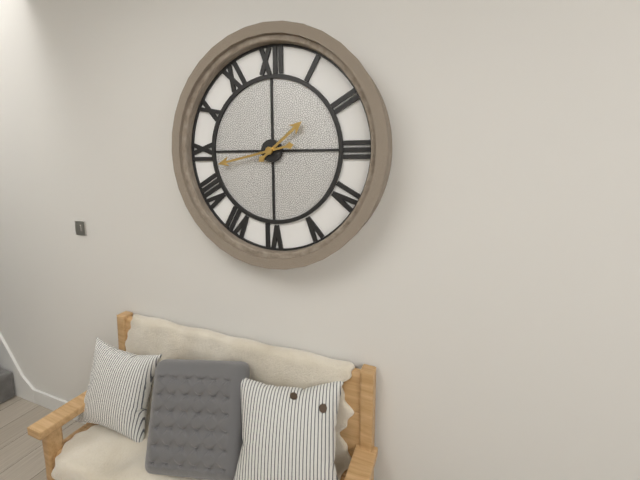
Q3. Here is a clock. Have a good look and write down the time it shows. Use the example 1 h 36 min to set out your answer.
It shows 1 h 43 min
